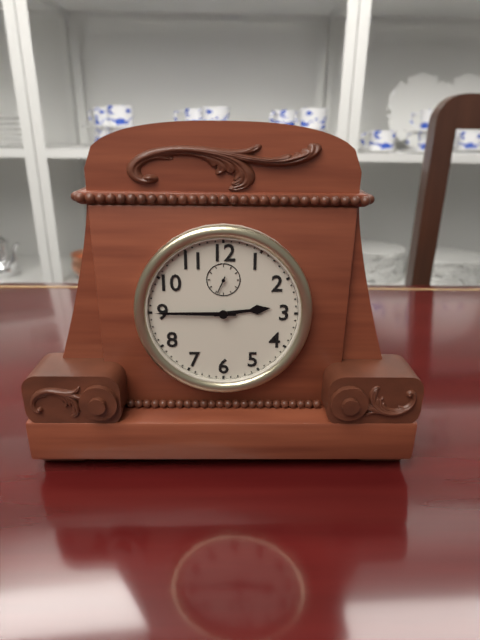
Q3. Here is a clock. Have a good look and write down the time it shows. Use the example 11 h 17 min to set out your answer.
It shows 2 h 45 min
